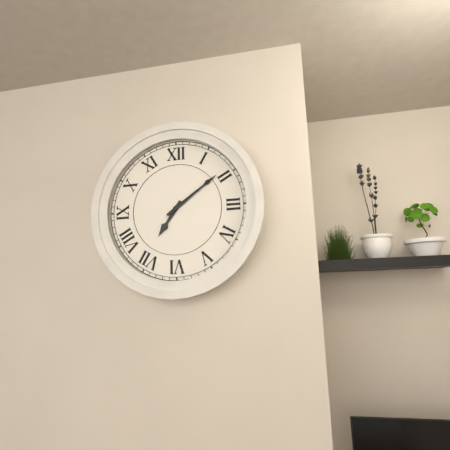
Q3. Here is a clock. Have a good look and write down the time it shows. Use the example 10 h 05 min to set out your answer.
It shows 7 h 09 min
